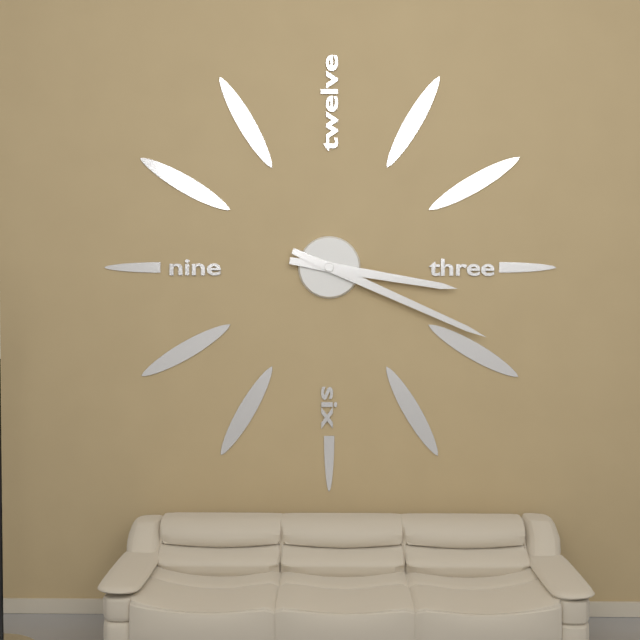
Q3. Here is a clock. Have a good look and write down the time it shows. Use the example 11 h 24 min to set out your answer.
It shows 3 h 19 min
